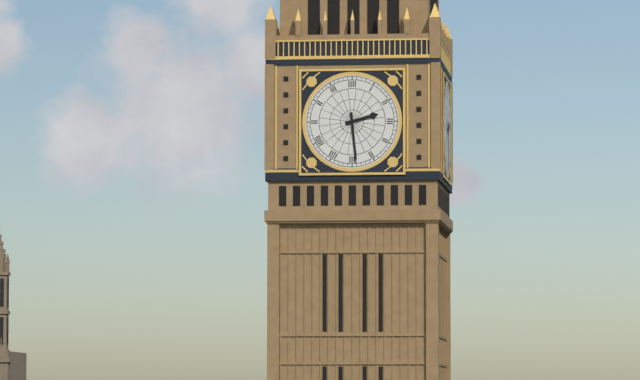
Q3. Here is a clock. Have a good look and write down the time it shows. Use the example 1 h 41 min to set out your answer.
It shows 2 h 29 min
